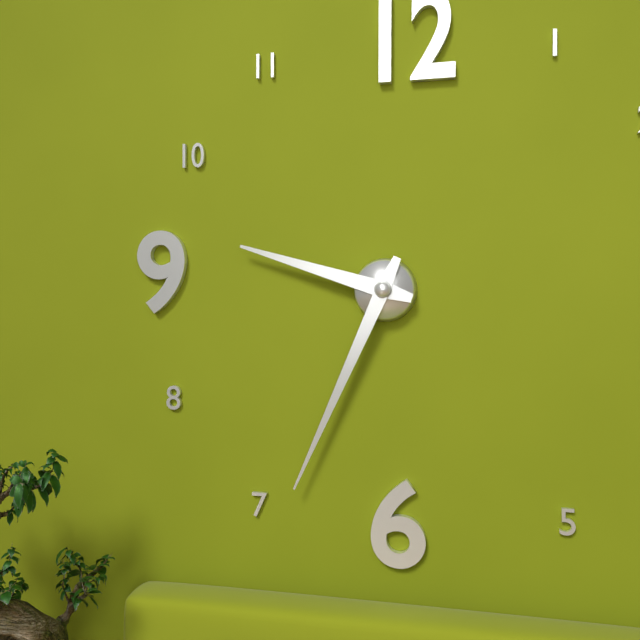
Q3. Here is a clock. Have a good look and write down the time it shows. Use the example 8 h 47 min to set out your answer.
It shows 9 h 34 min
